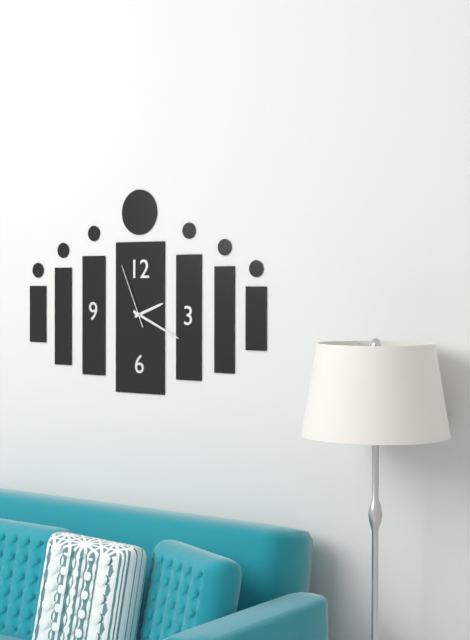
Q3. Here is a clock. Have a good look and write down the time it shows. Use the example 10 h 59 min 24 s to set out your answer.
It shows 2 h 19 min 56 s
